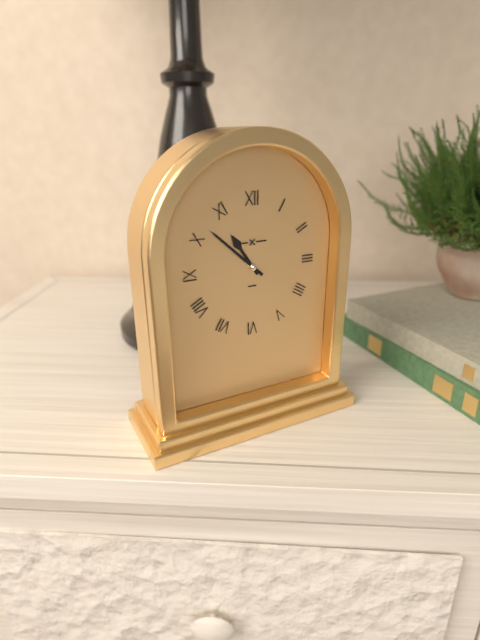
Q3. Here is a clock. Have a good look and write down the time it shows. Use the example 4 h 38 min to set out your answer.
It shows 10 h 52 min
